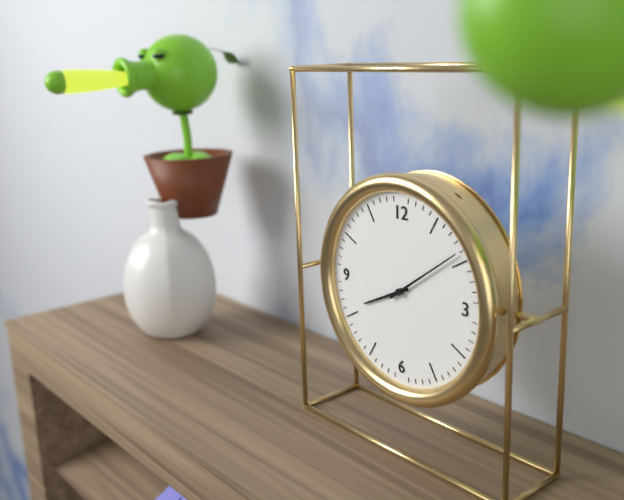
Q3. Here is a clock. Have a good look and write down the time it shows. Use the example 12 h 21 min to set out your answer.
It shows 8 h 09 min
